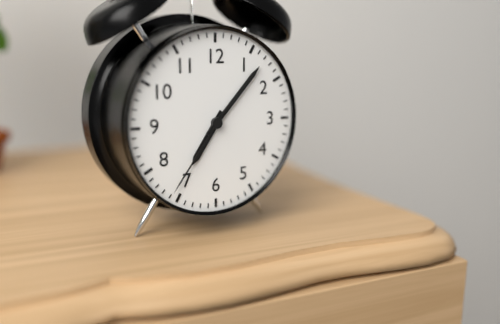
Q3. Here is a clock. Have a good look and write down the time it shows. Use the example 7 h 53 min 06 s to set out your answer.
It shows 7 h 07 min 36 s
